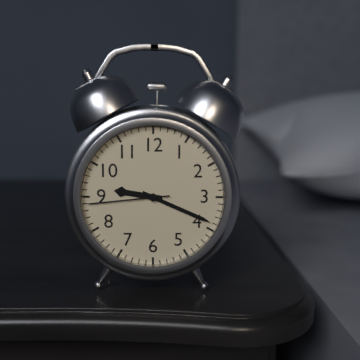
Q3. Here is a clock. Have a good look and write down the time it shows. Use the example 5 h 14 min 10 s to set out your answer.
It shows 9 h 19 min 44 s
